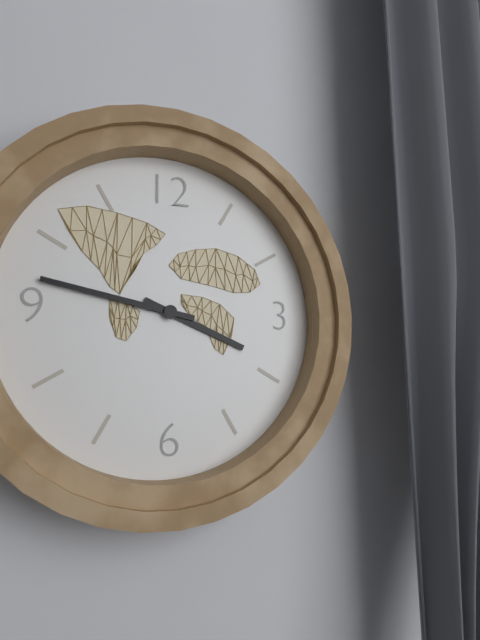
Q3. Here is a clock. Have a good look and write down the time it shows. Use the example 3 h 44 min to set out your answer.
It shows 3 h 47 min
